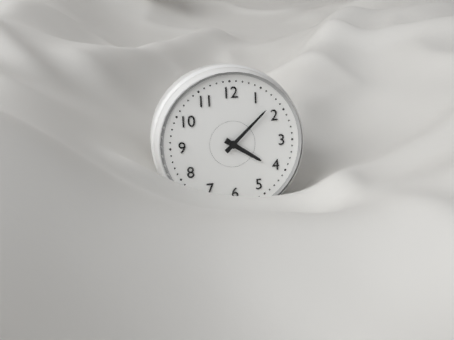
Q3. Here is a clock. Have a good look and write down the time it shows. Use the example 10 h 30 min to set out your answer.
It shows 4 h 08 min
